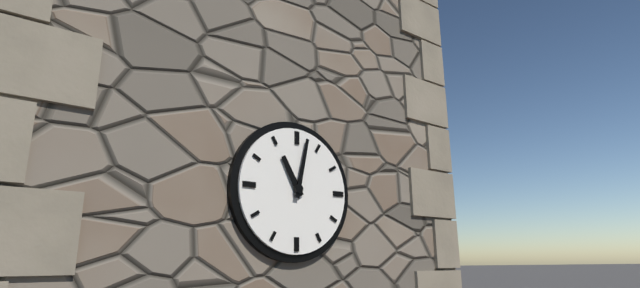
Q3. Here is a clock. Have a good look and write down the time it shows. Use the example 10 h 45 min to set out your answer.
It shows 11 h 02 min
